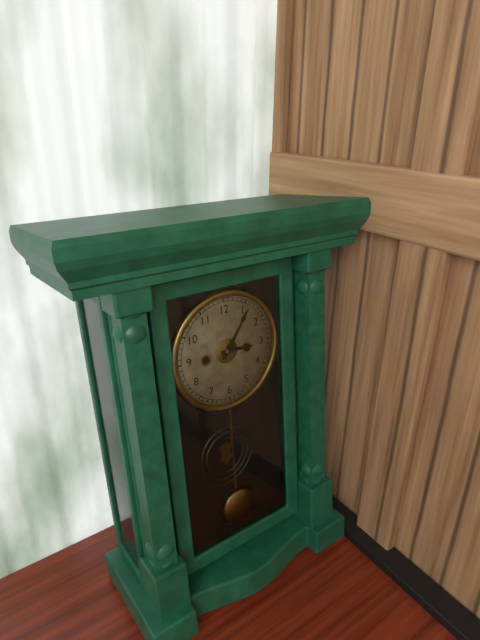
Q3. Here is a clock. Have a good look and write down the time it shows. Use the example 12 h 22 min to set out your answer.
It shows 3 h 06 min
